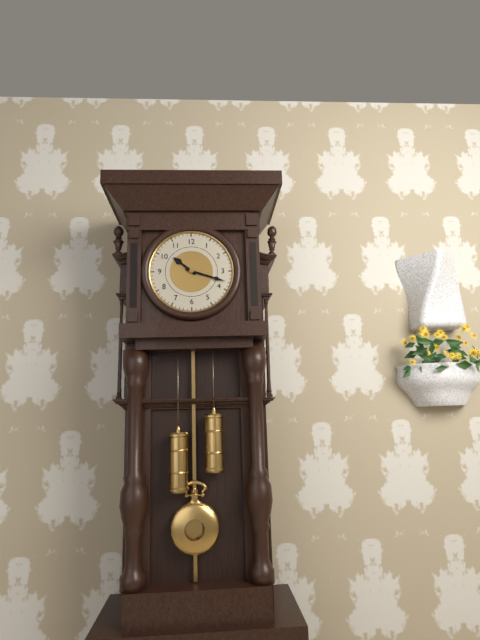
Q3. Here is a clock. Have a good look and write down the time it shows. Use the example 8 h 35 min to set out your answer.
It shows 10 h 18 min
